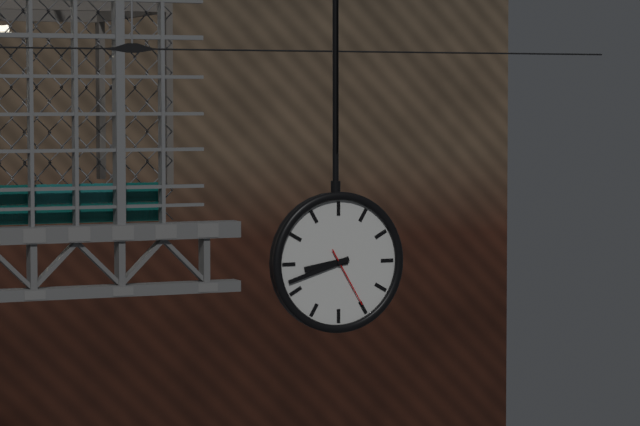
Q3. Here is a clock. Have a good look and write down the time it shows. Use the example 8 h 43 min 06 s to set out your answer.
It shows 8 h 42 min 25 s
